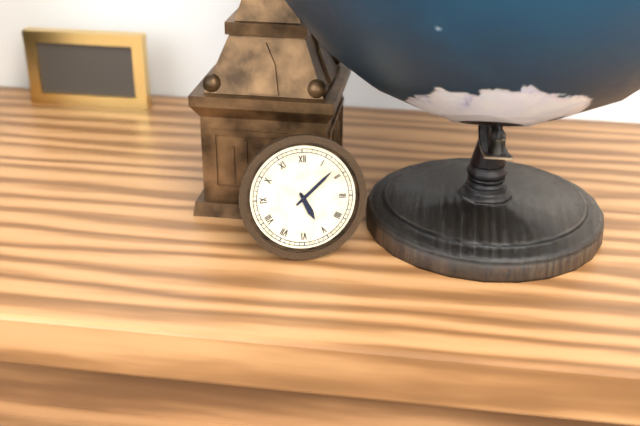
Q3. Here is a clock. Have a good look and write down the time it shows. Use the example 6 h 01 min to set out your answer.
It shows 5 h 08 min
